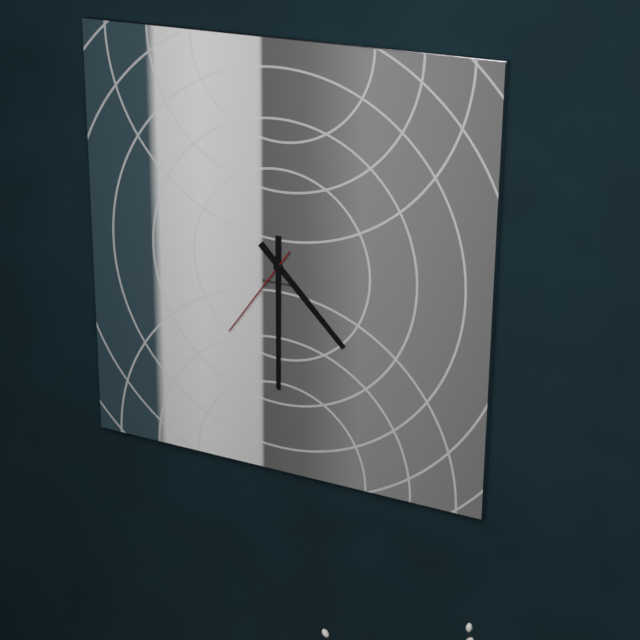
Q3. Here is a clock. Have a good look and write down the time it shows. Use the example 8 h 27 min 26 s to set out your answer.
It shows 4 h 30 min 36 s
